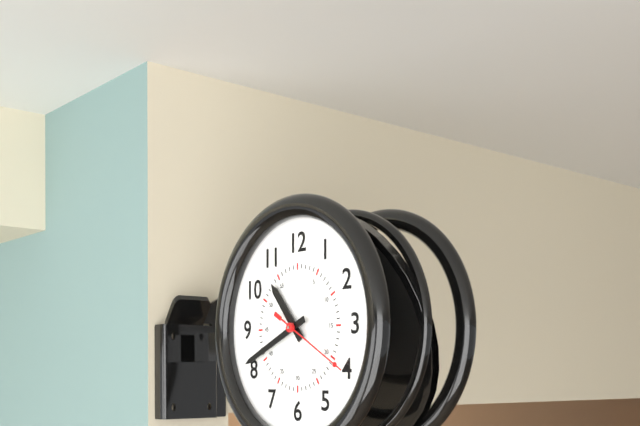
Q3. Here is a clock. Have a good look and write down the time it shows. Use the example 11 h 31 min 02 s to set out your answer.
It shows 10 h 41 min 20 s
